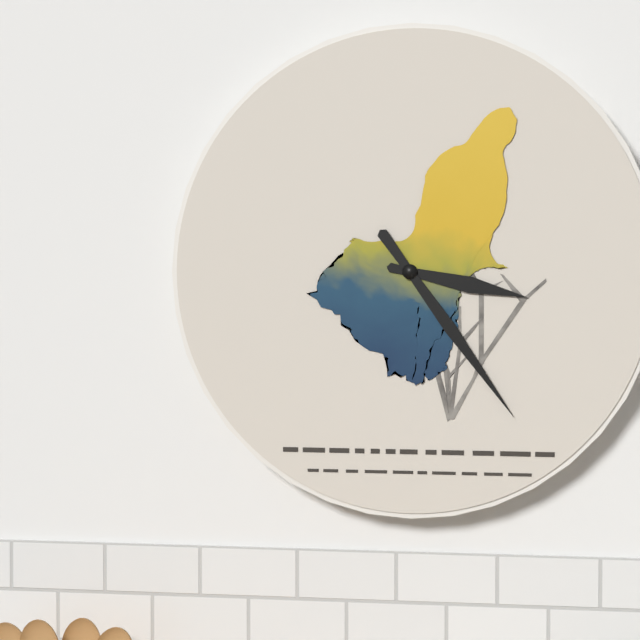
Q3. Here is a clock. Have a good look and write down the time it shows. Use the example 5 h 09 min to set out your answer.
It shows 3 h 24 min
